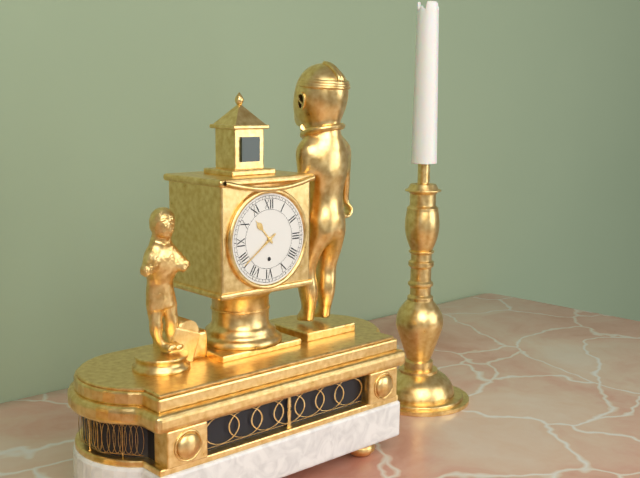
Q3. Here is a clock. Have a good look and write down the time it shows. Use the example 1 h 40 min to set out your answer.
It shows 10 h 39 min
